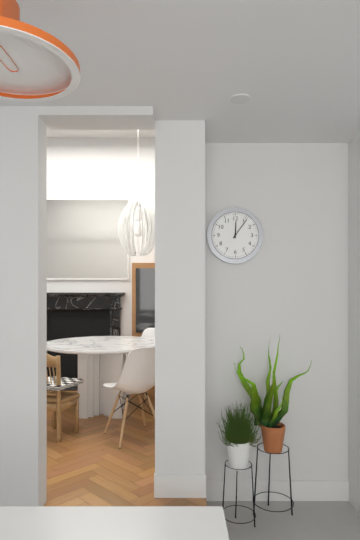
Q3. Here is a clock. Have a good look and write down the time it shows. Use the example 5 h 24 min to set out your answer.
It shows 12 h 06 min
